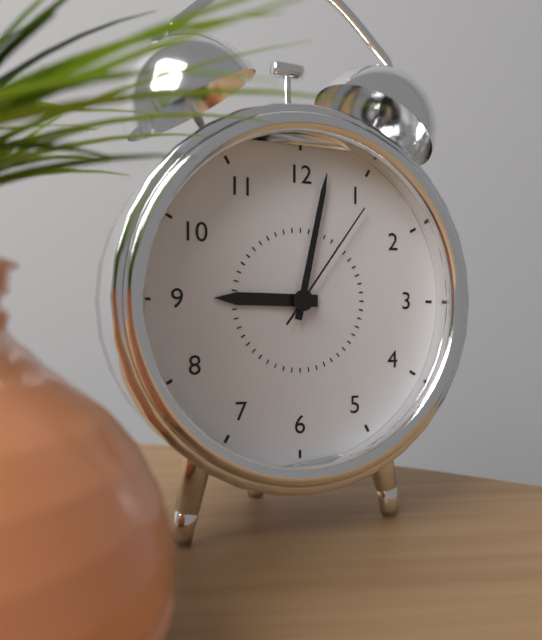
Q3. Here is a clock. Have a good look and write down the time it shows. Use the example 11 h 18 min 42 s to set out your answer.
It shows 9 h 02 min 06 s
